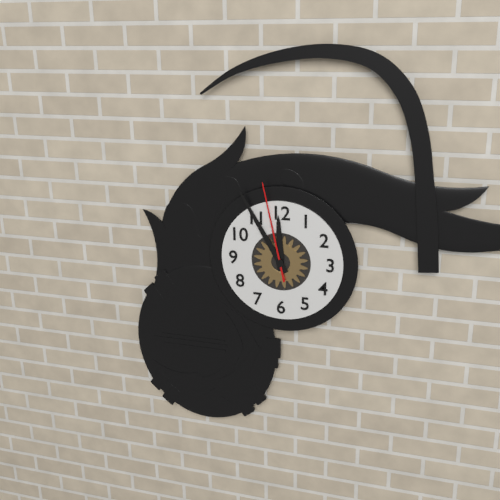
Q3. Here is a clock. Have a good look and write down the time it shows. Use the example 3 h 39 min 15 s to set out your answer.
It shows 11 h 55 min 58 s
